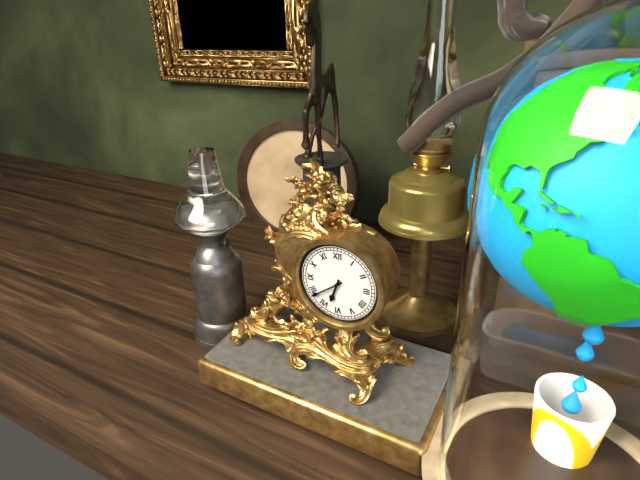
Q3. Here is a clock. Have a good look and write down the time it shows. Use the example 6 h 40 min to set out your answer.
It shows 6 h 39 min
